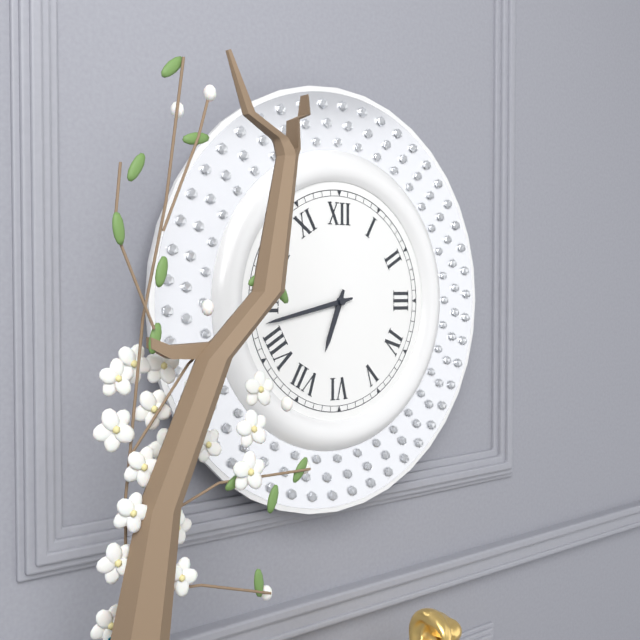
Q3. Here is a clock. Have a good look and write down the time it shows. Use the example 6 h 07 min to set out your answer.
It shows 6 h 43 min
